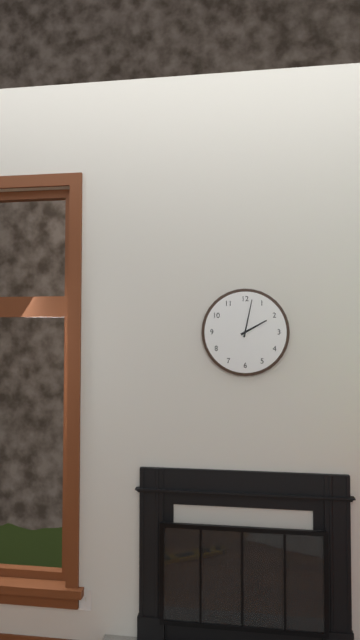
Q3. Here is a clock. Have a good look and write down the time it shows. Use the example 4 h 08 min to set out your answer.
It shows 2 h 02 min
